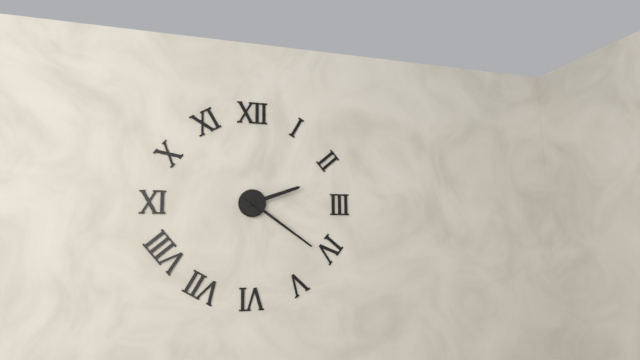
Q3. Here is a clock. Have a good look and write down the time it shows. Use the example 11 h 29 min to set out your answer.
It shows 2 h 21 min
